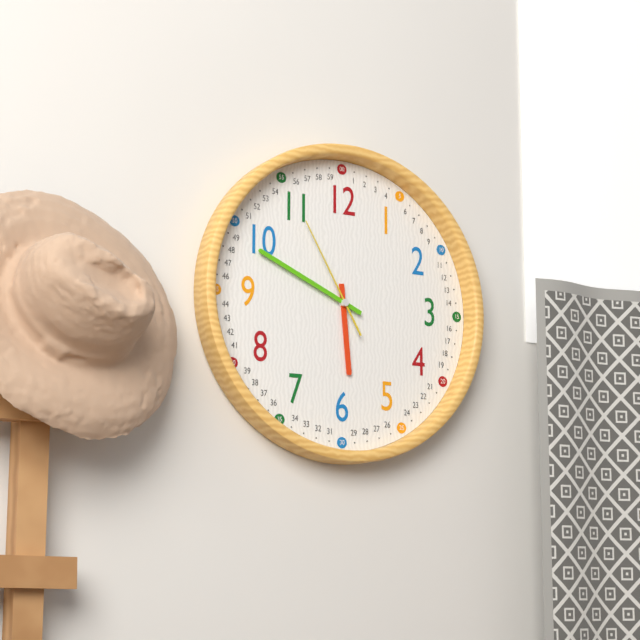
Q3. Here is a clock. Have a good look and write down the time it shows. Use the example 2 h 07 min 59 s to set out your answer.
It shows 5 h 49 min 55 s
